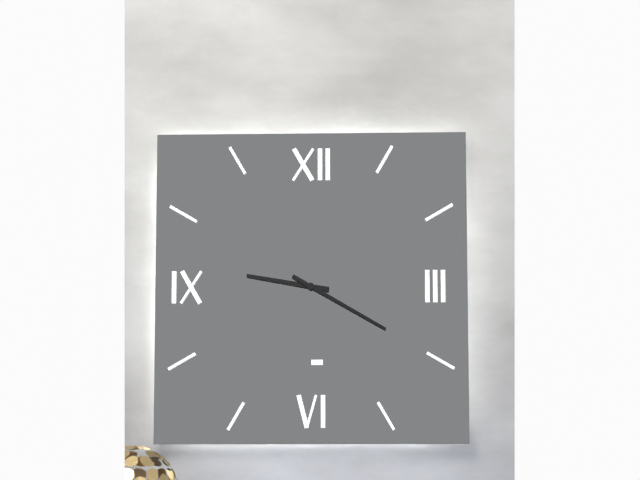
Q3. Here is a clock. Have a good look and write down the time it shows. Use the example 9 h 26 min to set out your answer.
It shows 9 h 20 min
